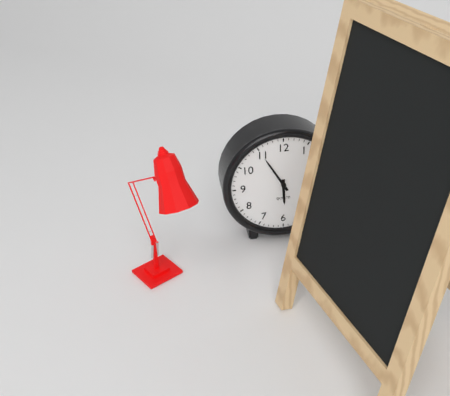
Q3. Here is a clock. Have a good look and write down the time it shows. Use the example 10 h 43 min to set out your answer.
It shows 5 h 55 min
